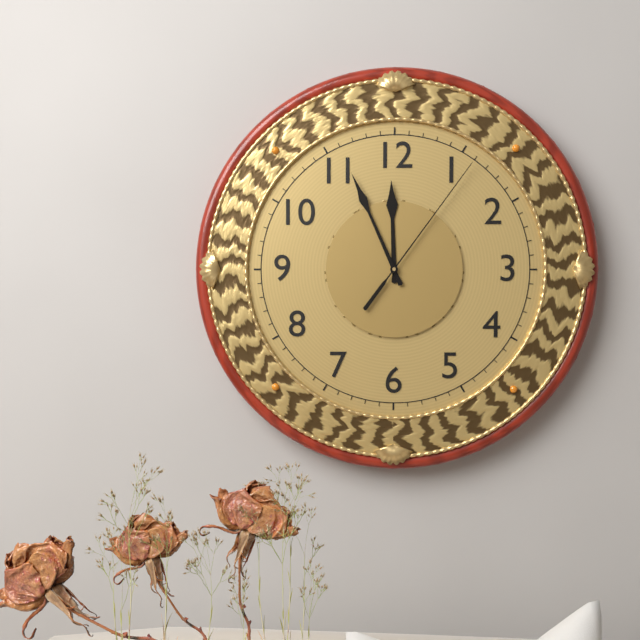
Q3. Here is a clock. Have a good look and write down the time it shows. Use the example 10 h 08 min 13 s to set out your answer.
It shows 11 h 56 min 06 s
